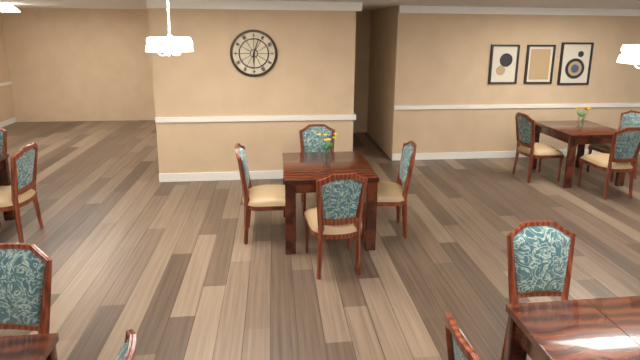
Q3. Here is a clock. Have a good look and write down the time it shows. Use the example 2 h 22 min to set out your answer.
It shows 6 h 03 min
